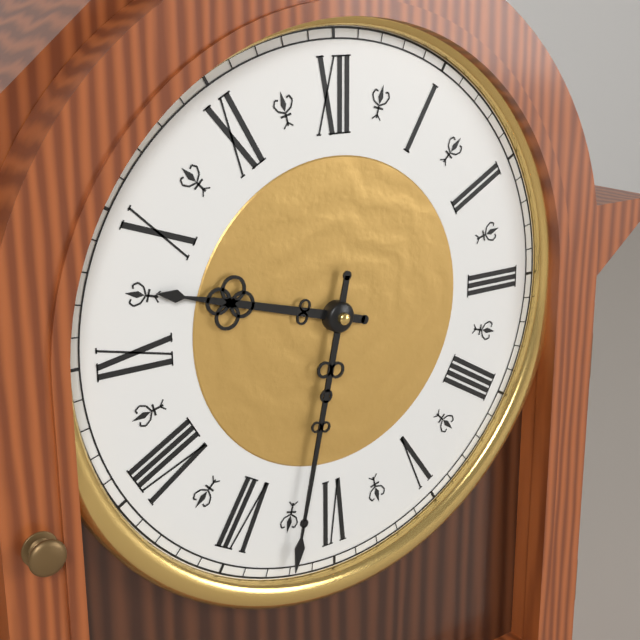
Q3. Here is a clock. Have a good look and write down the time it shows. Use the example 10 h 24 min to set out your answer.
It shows 9 h 32 min
